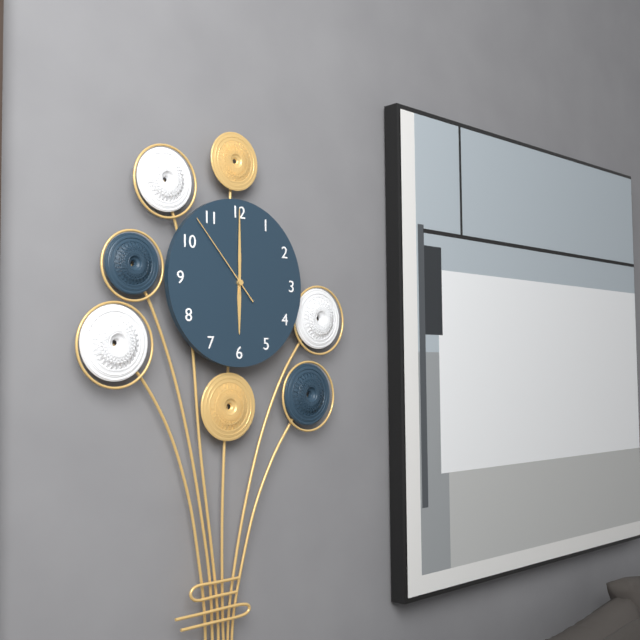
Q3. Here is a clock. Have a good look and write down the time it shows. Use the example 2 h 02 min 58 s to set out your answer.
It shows 6 h 00 min 53 s
